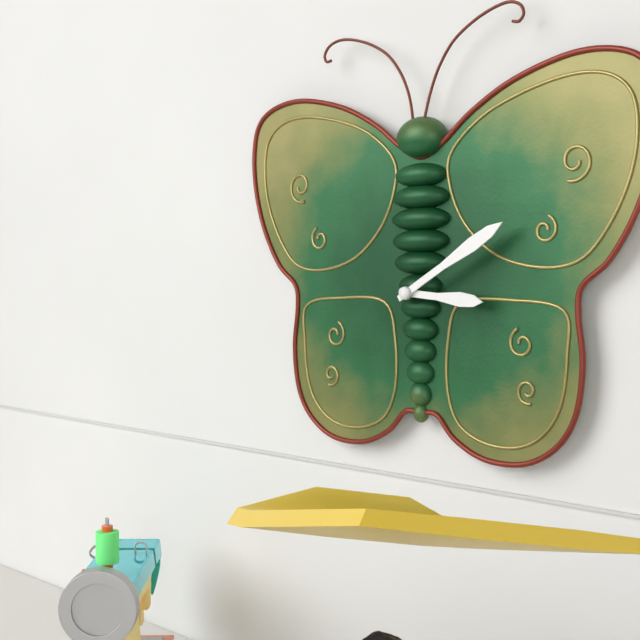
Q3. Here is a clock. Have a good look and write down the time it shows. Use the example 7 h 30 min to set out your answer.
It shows 3 h 10 min
